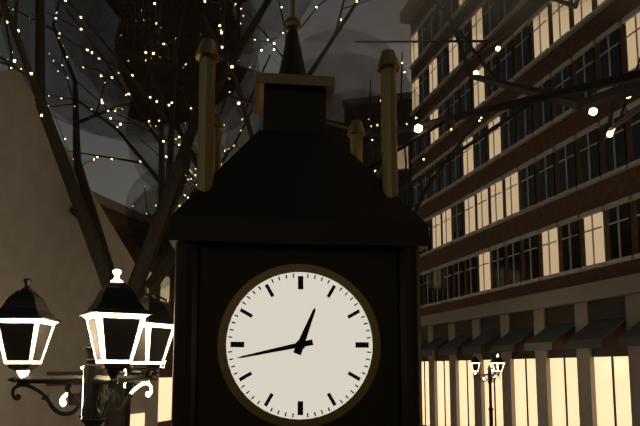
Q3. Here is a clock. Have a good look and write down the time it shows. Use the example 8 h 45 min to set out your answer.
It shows 12 h 43 min
